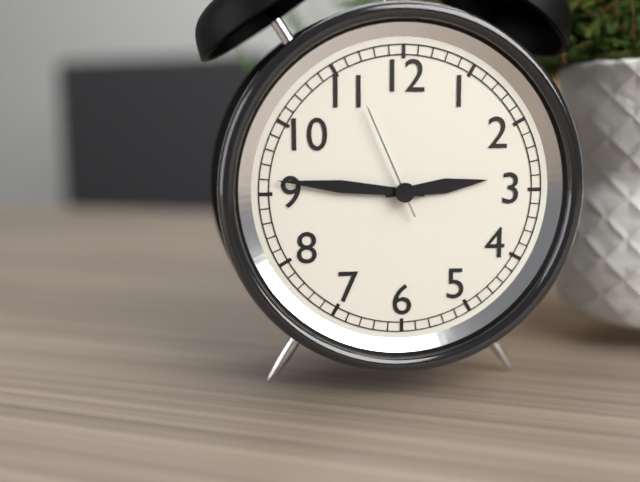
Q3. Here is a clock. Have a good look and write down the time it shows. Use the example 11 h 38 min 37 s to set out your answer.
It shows 2 h 46 min 56 s
